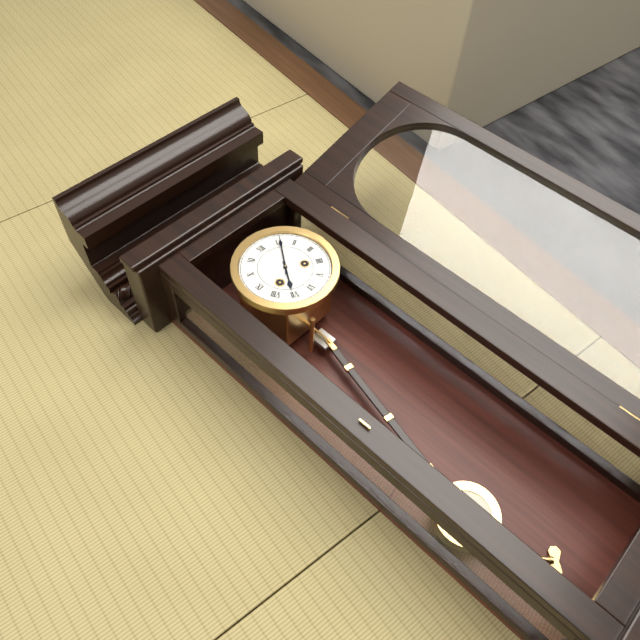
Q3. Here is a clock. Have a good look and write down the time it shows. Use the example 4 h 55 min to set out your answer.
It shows 7 h 06 min
